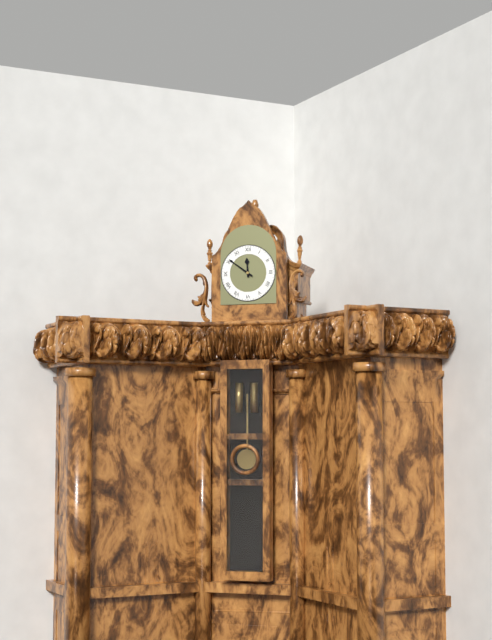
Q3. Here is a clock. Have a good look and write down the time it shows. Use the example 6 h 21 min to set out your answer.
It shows 11 h 51 min
